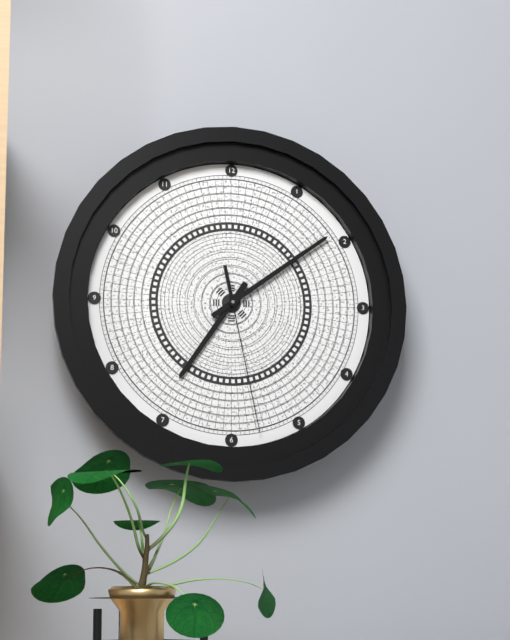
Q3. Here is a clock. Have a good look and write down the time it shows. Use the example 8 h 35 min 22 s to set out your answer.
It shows 7 h 09 min 28 s
